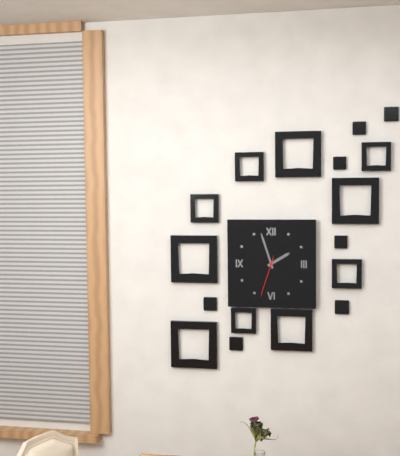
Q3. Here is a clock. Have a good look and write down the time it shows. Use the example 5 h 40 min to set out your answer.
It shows 1 h 57 min
